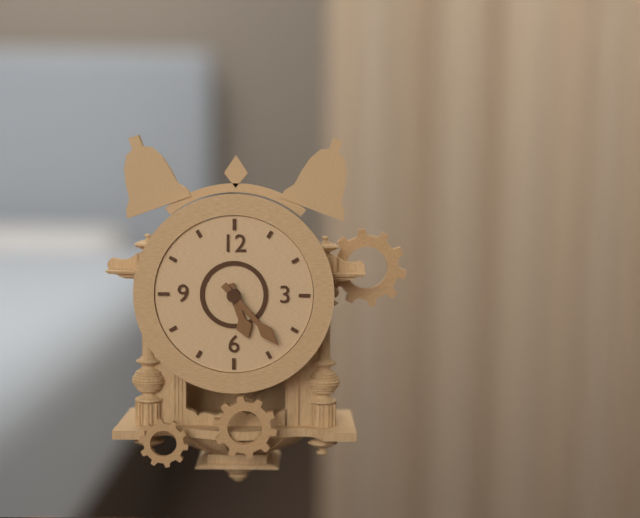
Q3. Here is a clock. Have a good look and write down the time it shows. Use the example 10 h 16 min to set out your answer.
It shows 5 h 23 min
